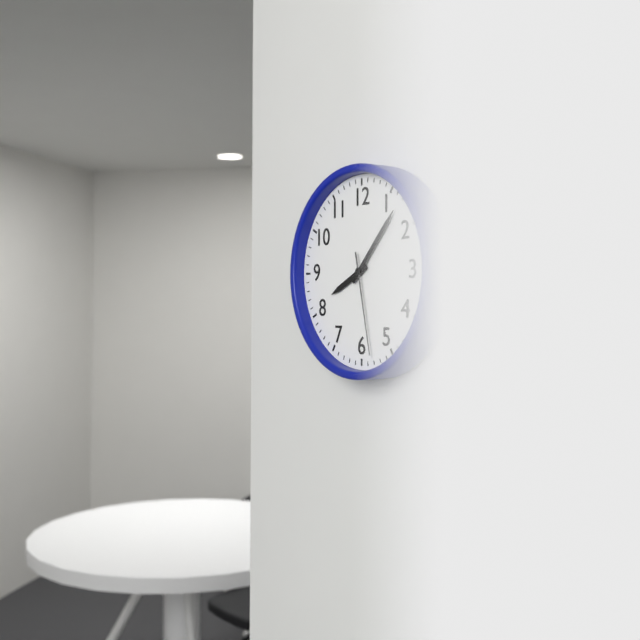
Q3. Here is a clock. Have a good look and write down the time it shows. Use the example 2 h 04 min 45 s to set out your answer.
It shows 8 h 07 min 28 s
